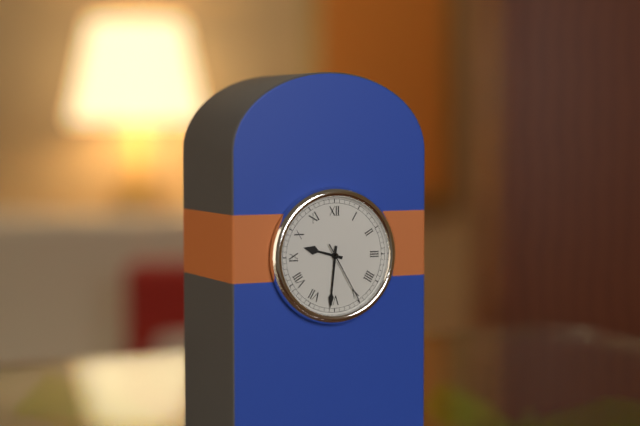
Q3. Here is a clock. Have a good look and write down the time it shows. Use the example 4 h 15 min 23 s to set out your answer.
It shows 9 h 31 min 25 s
